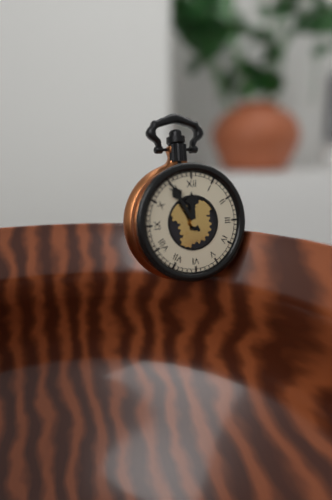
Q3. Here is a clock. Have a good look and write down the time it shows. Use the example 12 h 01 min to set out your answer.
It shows 11 h 55 min
